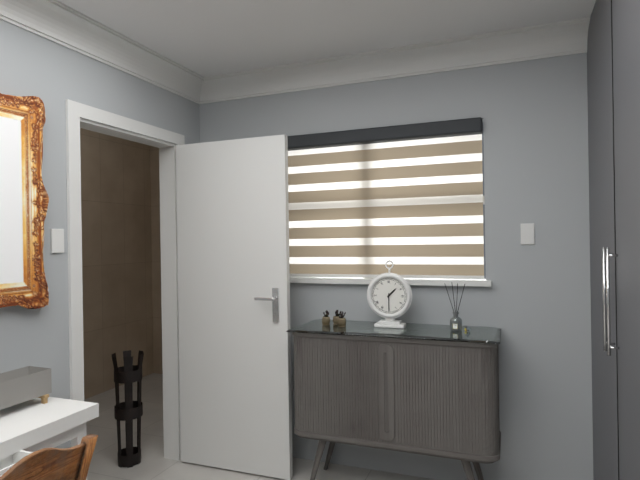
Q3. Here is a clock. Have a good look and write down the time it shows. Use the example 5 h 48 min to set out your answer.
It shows 1 h 30 min
